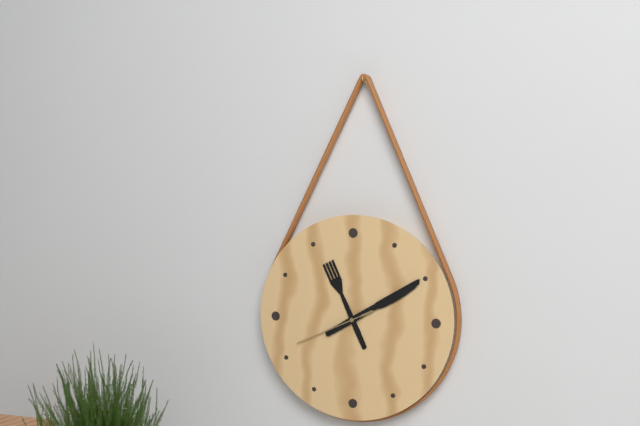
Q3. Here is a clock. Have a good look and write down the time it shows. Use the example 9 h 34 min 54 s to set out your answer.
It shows 11 h 10 min 41 s
